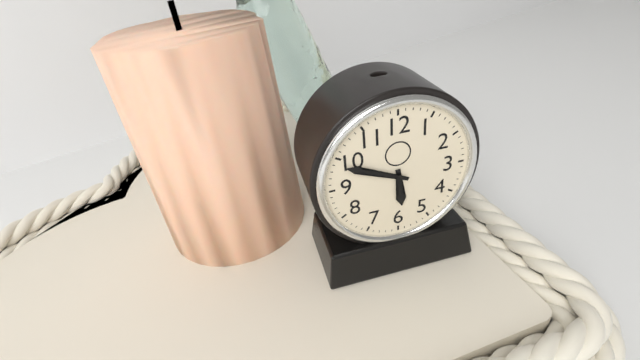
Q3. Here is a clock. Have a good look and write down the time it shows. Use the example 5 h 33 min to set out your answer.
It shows 5 h 49 min
